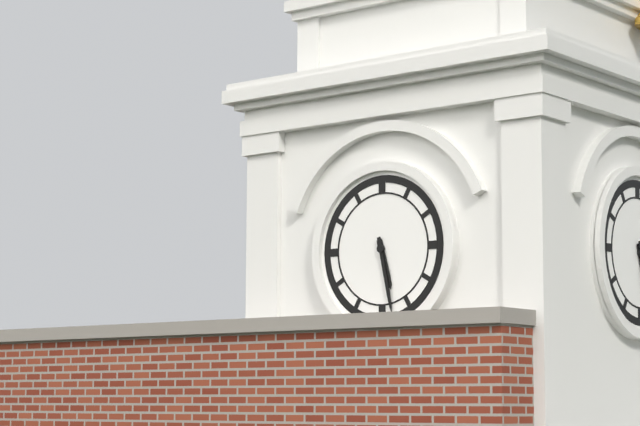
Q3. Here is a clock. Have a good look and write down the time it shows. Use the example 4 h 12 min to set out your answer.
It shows 5 h 28 min
